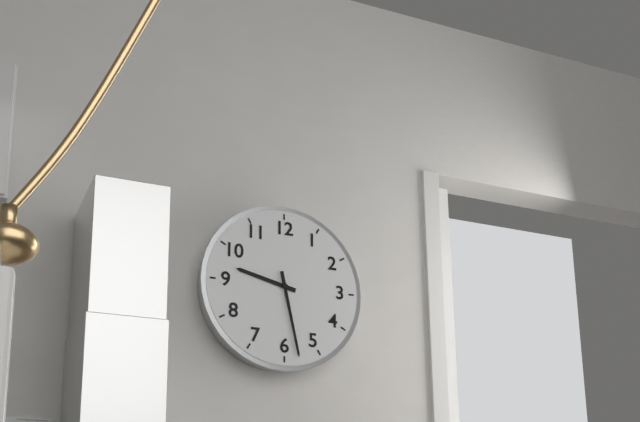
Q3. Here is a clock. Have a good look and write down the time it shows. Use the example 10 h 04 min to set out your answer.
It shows 9 h 28 min
